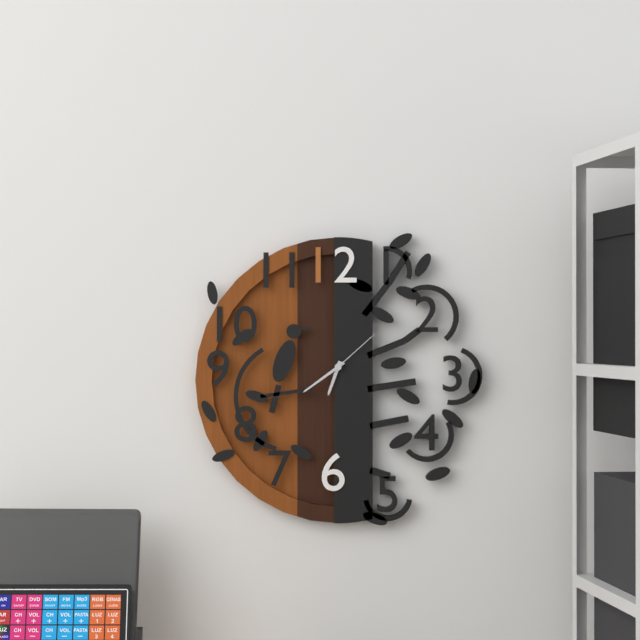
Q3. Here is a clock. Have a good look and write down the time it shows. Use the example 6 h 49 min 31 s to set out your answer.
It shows 6 h 39 min 08 s
